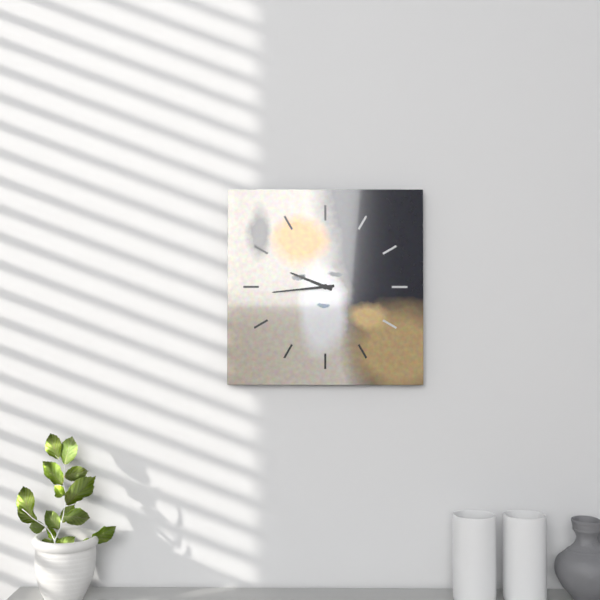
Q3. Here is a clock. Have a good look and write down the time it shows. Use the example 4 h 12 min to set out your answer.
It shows 9 h 44 min
